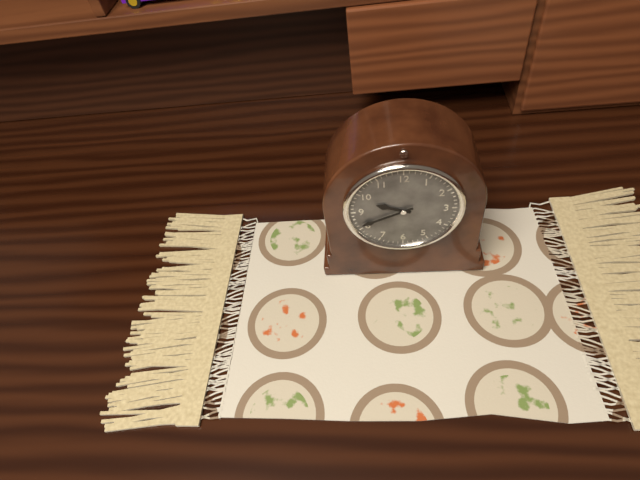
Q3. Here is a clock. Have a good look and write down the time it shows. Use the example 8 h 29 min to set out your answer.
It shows 9 h 41 min
